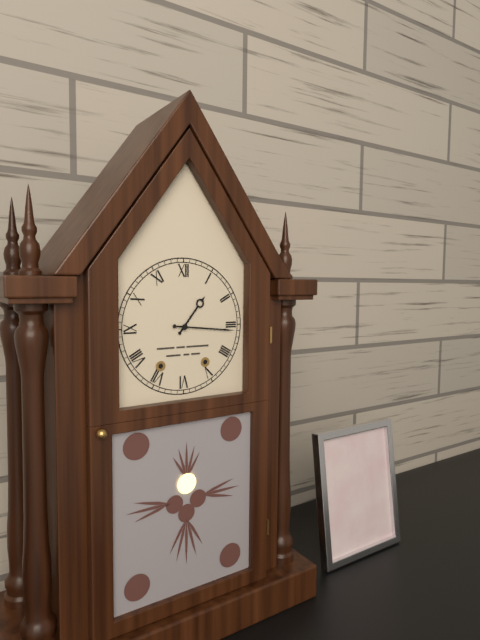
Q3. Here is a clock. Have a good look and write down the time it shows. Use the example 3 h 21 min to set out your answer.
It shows 1 h 16 min
